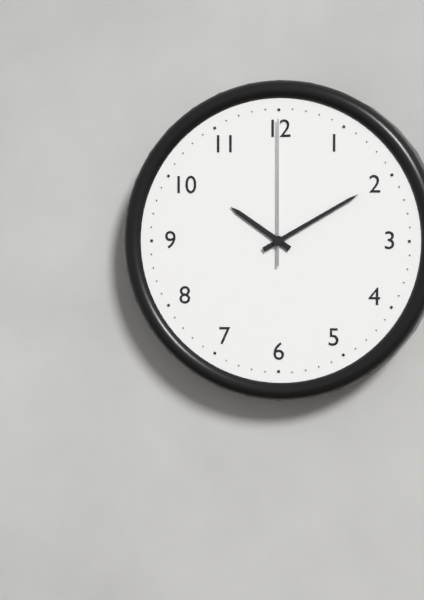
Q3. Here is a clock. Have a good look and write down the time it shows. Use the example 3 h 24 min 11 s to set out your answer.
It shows 10 h 10 min 00 s
